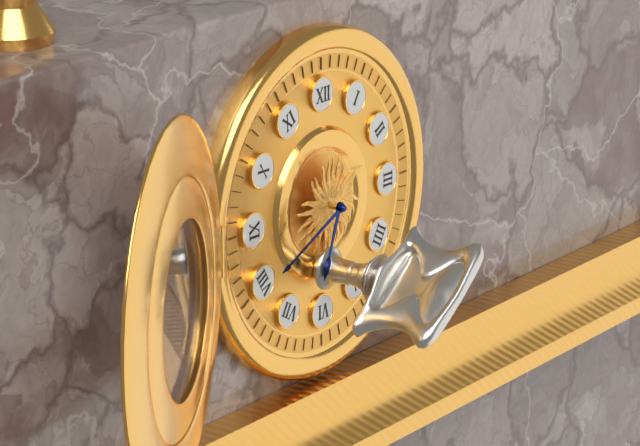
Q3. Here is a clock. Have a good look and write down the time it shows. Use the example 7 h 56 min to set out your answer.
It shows 6 h 41 min
